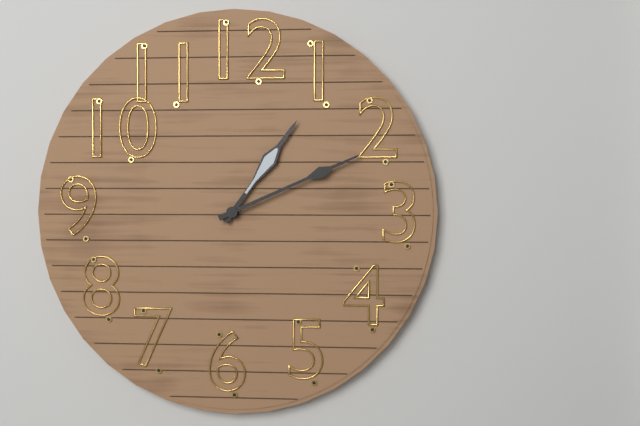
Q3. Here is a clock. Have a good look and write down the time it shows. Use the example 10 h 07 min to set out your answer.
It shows 1 h 11 min
